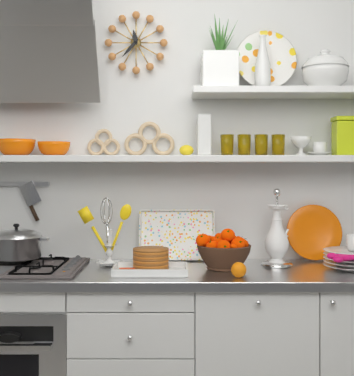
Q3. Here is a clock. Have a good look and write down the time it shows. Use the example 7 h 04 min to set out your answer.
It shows 11 h 37 min
